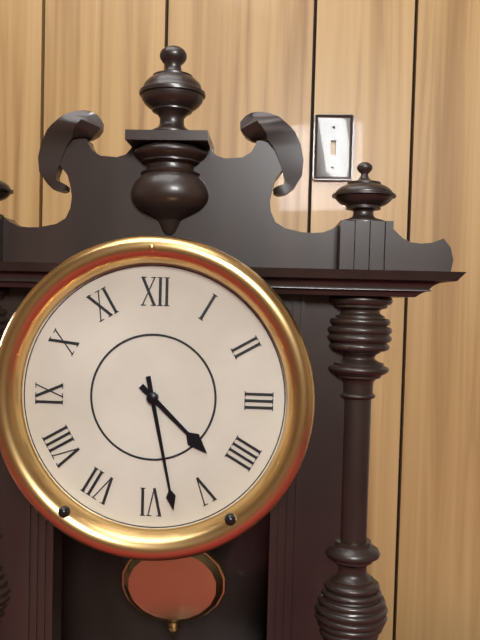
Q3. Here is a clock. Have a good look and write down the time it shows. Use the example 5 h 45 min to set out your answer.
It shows 4 h 28 min
